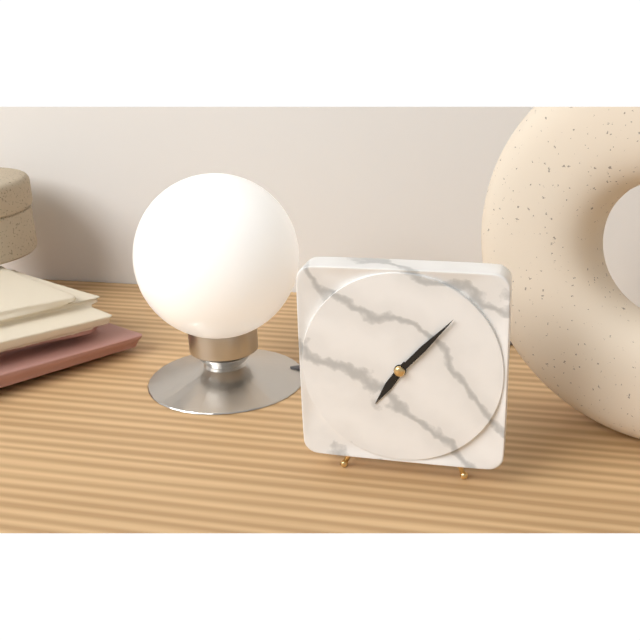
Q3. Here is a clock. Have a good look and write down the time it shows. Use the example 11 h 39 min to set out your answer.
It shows 7 h 07 min
